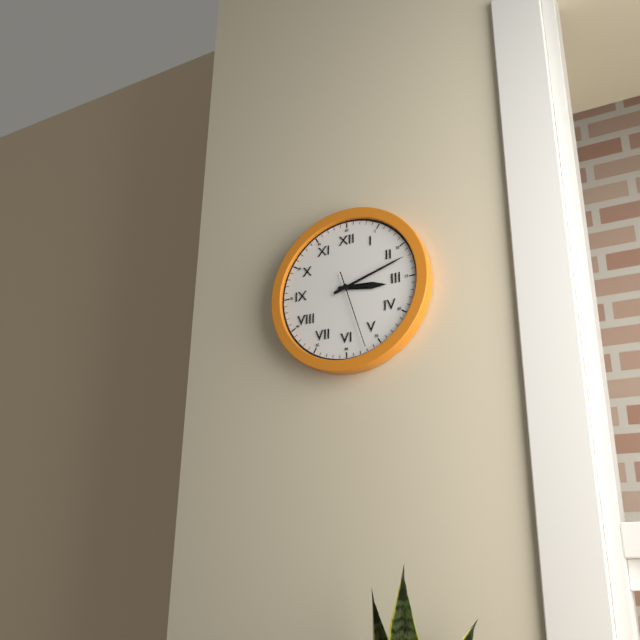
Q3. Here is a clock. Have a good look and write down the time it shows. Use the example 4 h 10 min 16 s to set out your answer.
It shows 3 h 12 min 27 s
